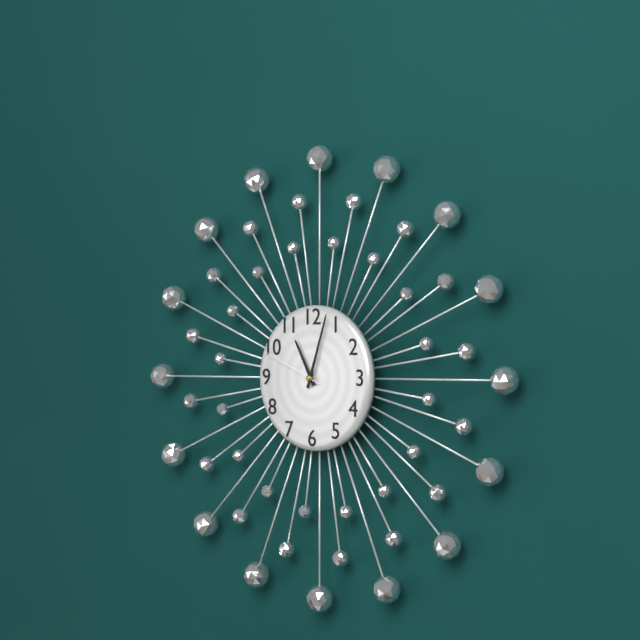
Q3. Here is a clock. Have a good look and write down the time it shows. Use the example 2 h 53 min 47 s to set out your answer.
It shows 11 h 03 min 49 s
